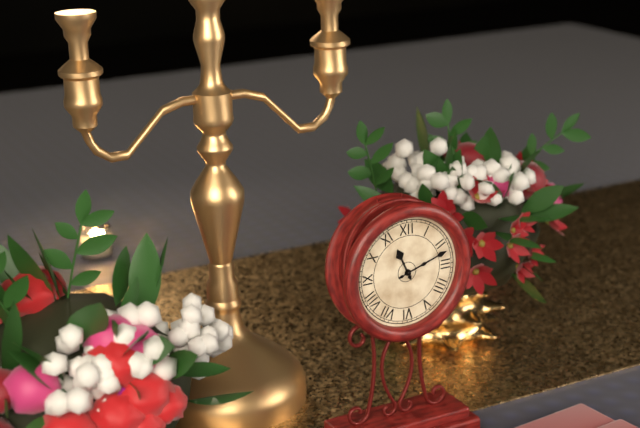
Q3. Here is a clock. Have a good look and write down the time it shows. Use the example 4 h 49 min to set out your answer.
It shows 11 h 12 min
